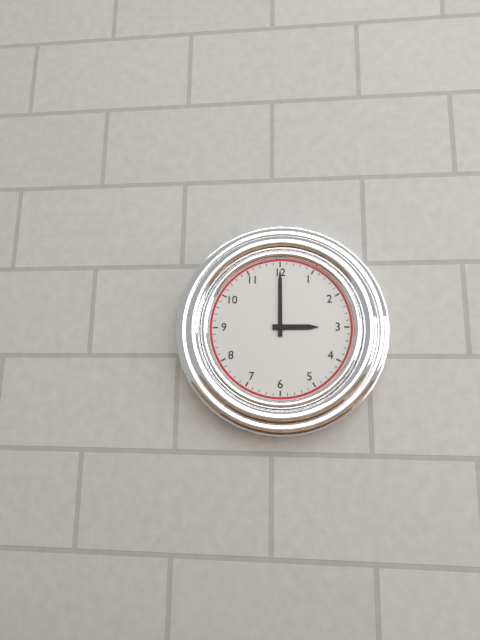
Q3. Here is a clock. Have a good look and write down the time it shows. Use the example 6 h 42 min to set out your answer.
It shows 3 h 00 min
